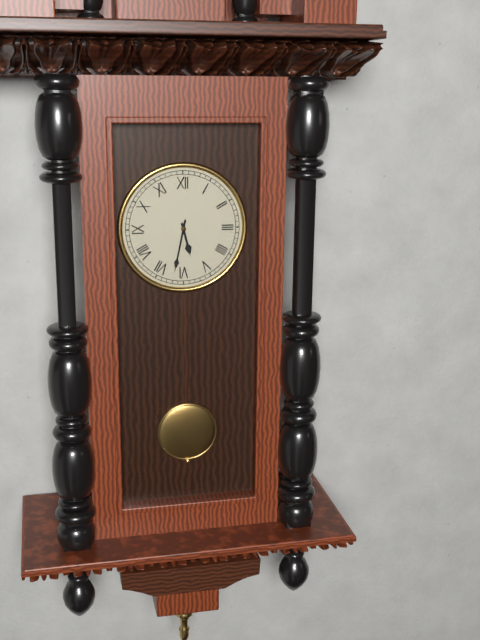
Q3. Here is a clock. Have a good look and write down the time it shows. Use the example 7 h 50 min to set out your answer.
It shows 5 h 32 min
